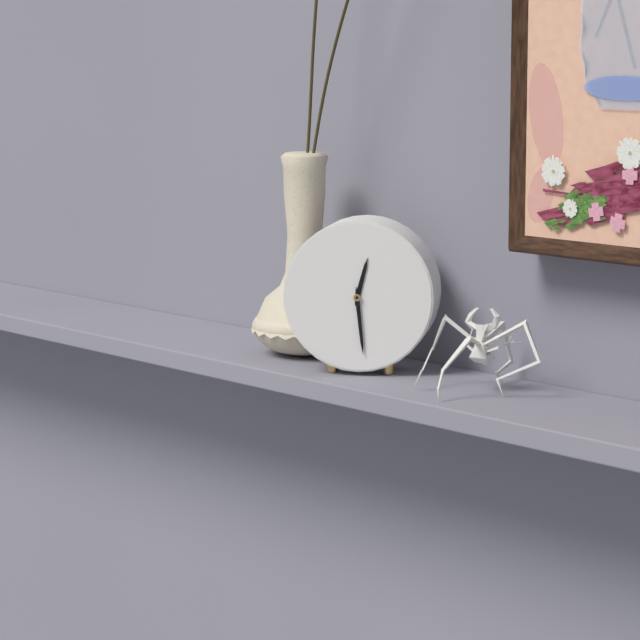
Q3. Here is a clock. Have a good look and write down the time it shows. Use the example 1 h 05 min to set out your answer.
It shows 12 h 29 min
